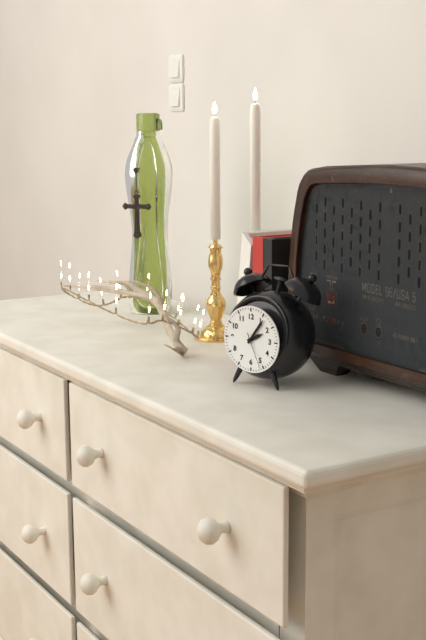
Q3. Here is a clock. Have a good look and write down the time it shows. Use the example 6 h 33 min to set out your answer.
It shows 2 h 06 min
